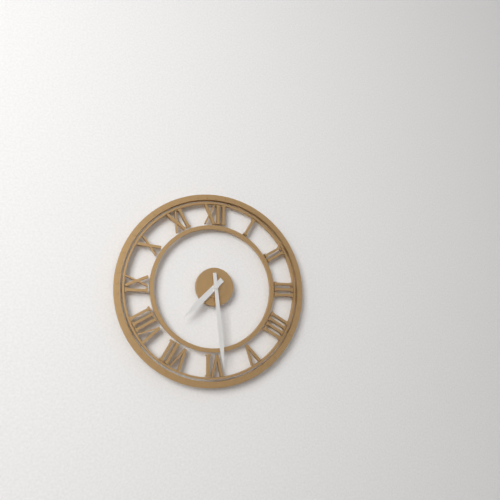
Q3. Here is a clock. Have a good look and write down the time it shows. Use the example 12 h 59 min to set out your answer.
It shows 7 h 29 min
